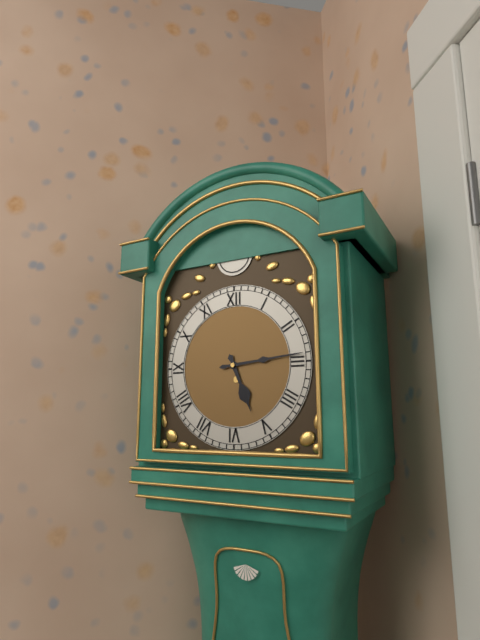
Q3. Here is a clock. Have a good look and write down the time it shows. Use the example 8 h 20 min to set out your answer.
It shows 5 h 14 min
